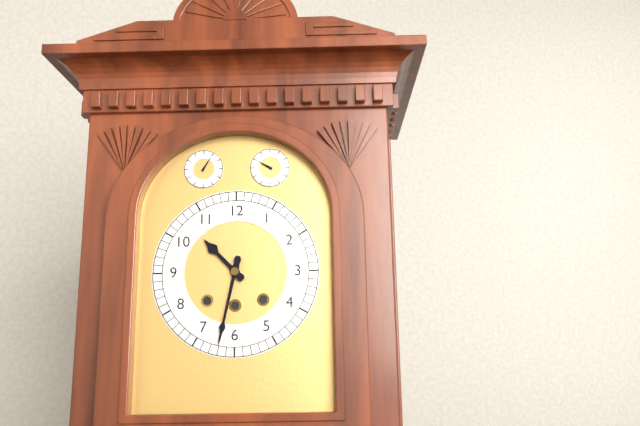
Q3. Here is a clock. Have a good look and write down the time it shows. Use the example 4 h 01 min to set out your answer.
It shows 10 h 32 min
